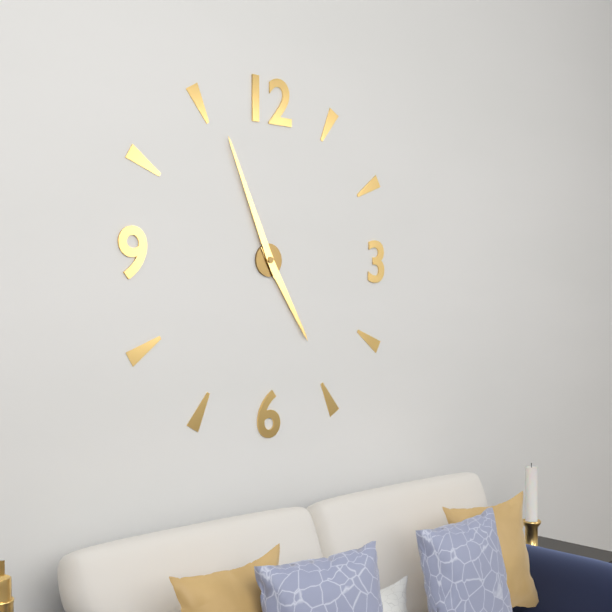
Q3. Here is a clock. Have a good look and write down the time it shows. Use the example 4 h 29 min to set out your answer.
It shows 4 h 56 min
